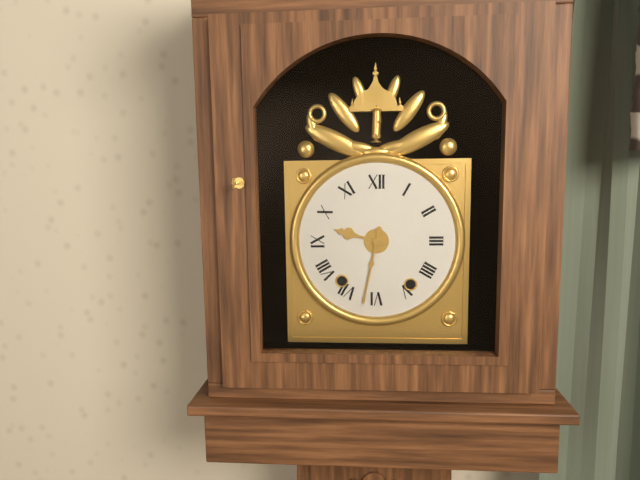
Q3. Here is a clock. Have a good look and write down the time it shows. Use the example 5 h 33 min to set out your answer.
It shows 9 h 32 min
